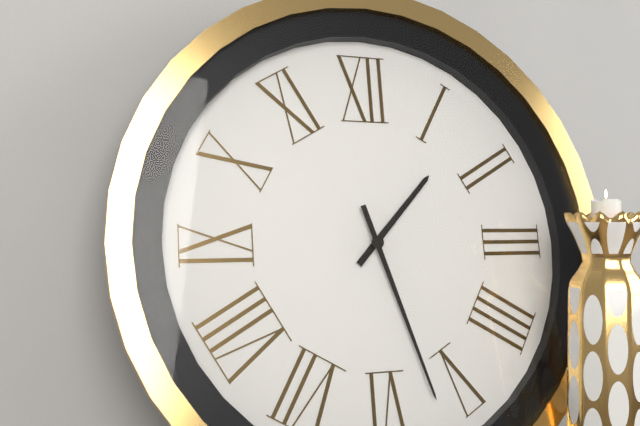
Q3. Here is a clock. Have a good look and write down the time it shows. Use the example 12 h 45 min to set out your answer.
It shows 1 h 27 min
